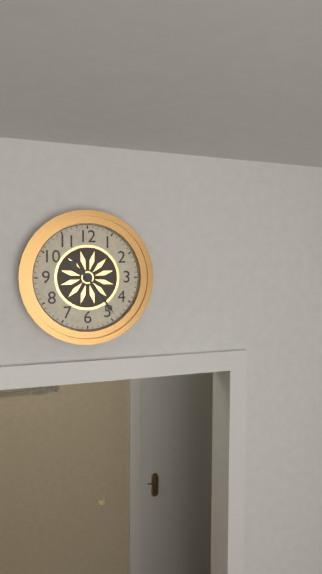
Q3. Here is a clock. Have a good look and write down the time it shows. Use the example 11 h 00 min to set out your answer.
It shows 10 h 24 min
